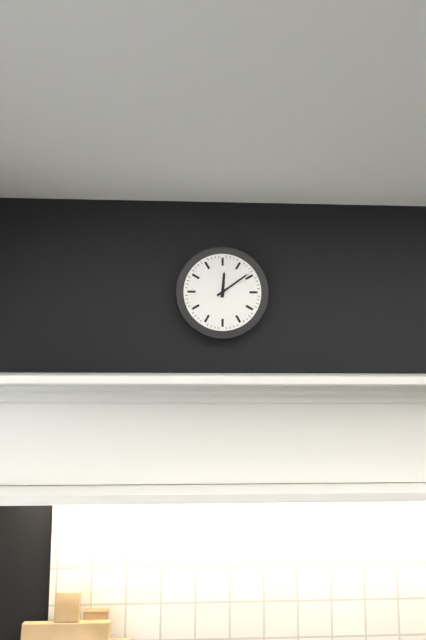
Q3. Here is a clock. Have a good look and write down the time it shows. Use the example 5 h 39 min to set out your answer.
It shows 12 h 09 min
